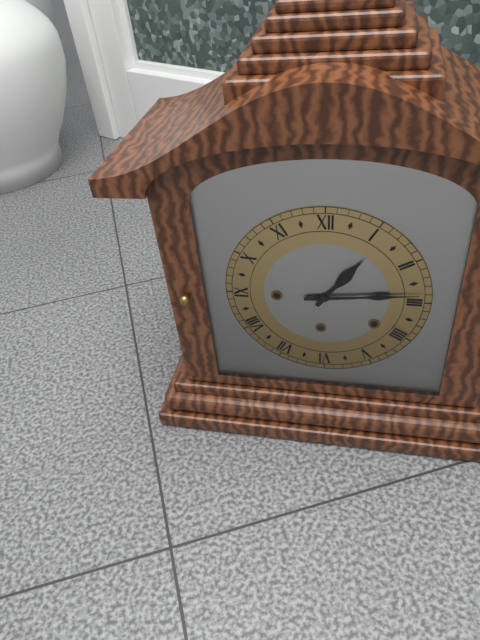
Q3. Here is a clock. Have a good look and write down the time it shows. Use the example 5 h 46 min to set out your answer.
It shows 1 h 14 min
